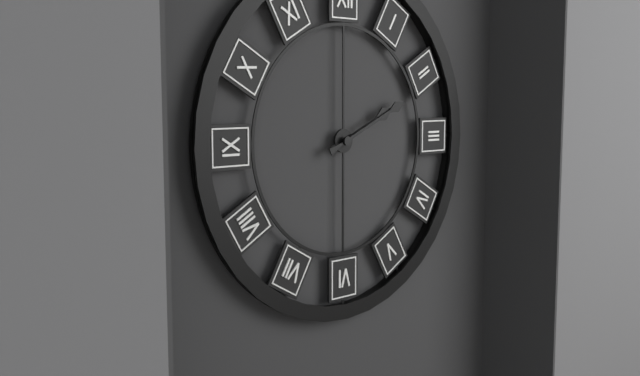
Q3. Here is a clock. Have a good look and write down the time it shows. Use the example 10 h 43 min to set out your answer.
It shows 2 h 11 min
